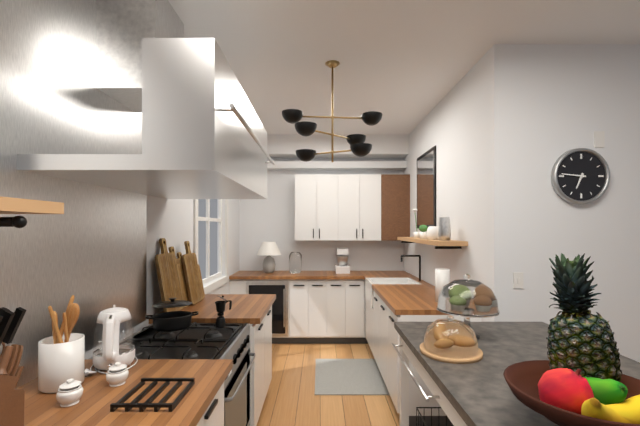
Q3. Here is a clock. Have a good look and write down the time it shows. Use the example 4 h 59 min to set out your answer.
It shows 6 h 46 min
